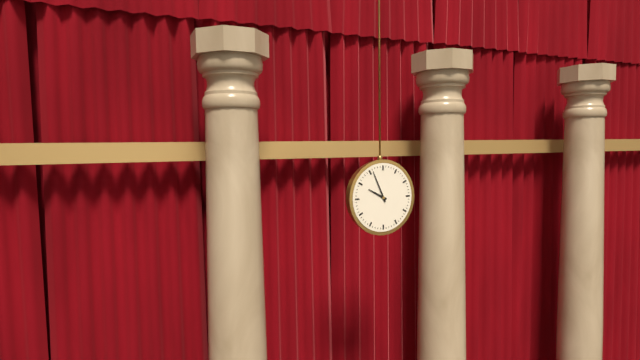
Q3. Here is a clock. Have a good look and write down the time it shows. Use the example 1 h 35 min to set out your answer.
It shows 9 h 56 min
